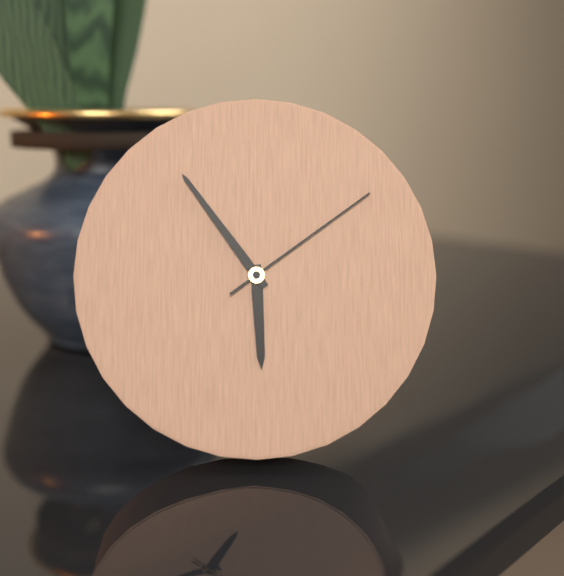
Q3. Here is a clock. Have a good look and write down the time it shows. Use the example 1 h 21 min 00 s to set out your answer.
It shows 5 h 54 min 09 s
